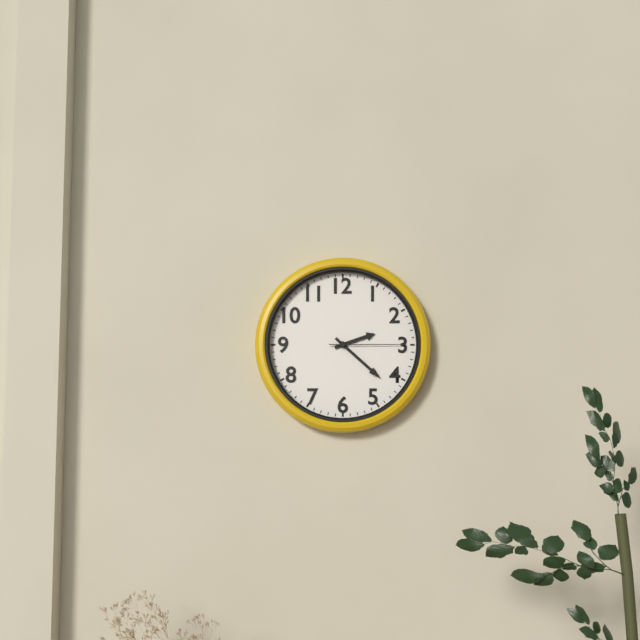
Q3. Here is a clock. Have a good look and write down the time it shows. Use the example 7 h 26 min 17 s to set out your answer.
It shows 2 h 22 min 15 s
